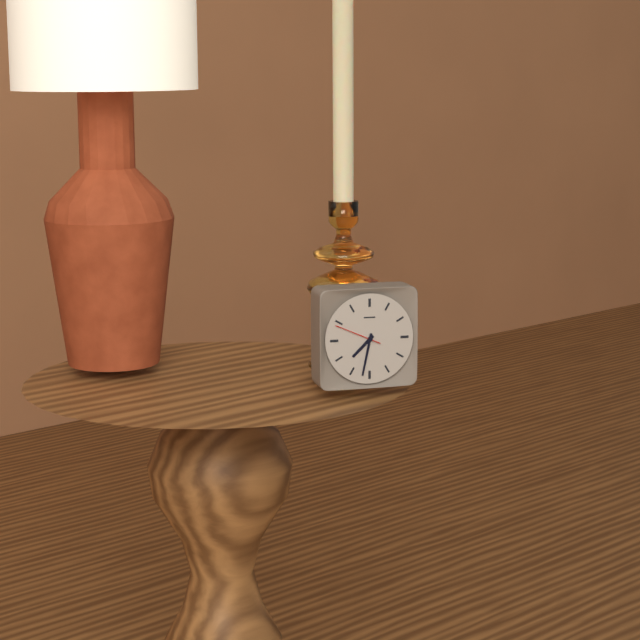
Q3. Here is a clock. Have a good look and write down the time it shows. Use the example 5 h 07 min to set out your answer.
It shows 7 h 32 min
